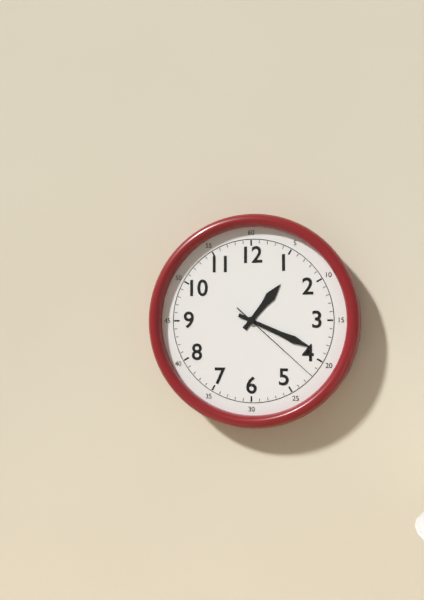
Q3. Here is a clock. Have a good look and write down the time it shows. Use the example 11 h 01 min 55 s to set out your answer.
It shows 1 h 19 min 22 s
